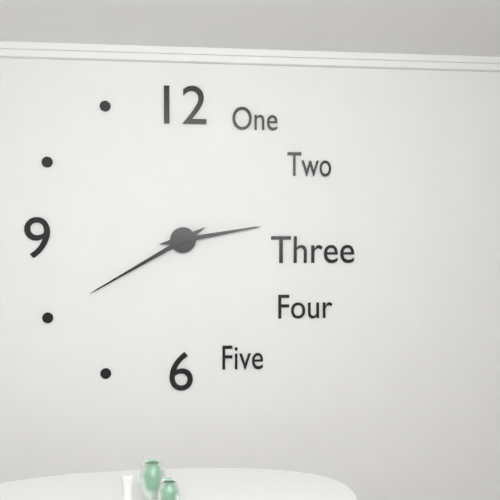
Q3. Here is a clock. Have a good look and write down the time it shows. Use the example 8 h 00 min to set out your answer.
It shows 2 h 40 min
